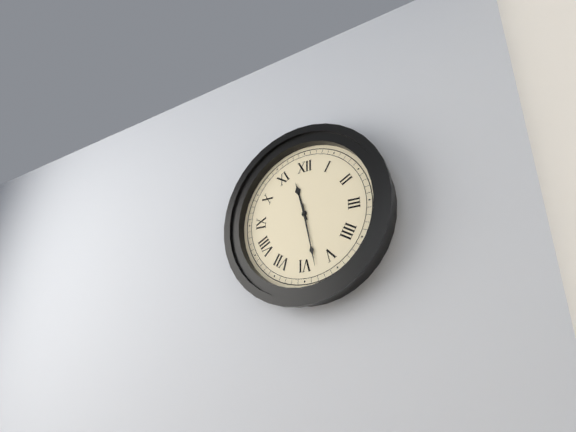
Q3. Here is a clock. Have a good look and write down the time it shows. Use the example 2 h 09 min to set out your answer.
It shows 11 h 28 min
